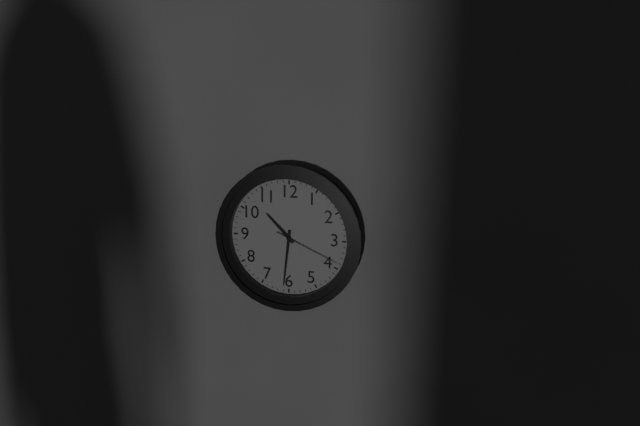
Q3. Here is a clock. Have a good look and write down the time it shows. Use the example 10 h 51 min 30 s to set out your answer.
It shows 10 h 31 min 19 s
